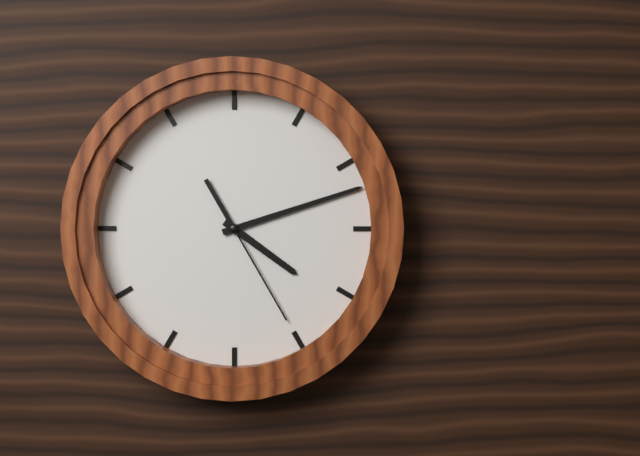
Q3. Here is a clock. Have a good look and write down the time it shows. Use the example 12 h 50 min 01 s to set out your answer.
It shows 4 h 12 min 25 s
